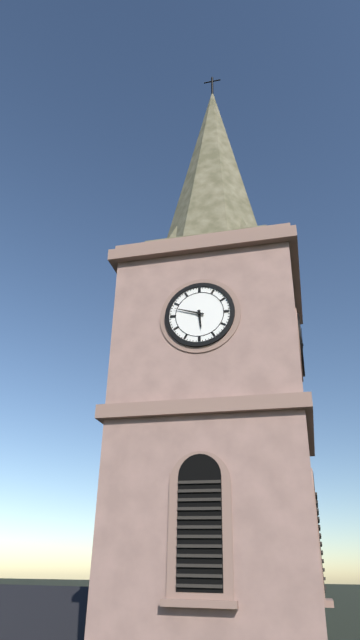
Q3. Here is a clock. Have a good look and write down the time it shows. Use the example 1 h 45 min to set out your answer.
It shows 5 h 48 min
